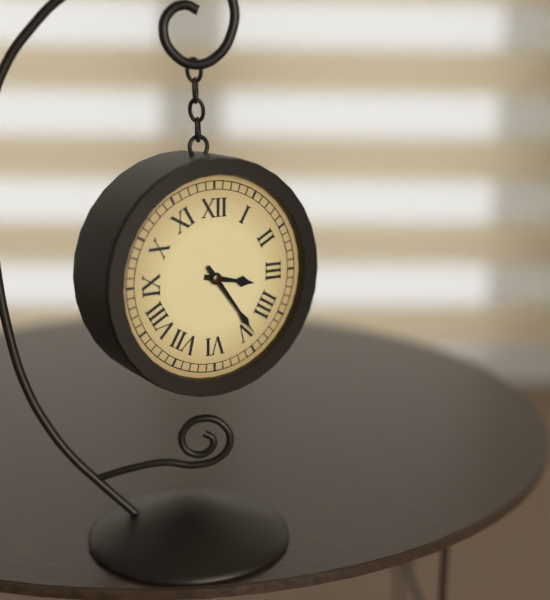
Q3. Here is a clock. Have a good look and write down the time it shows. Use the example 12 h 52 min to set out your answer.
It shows 3 h 24 min
